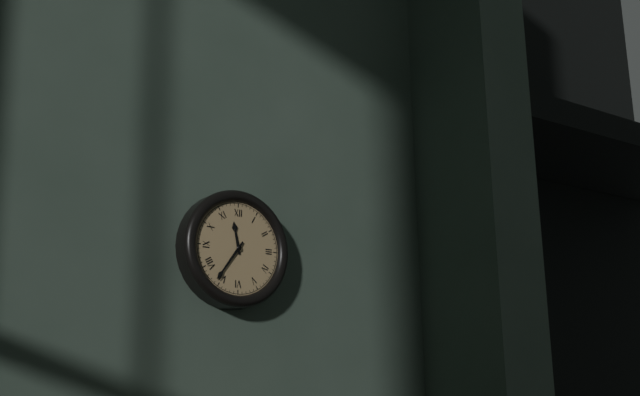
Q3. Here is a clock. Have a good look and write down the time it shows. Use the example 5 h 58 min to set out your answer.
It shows 11 h 36 min
